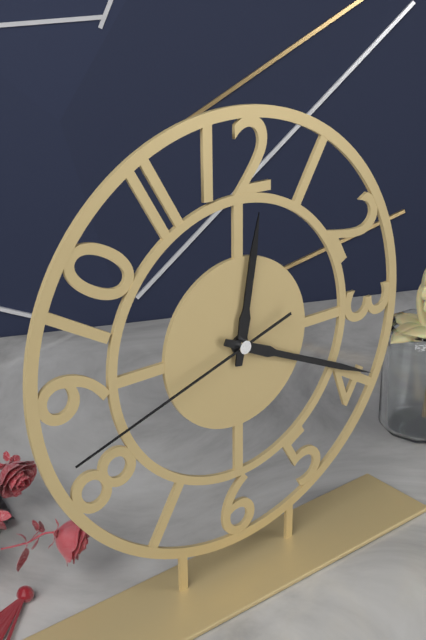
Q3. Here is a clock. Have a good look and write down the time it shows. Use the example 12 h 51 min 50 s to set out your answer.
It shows 12 h 19 min 42 s
